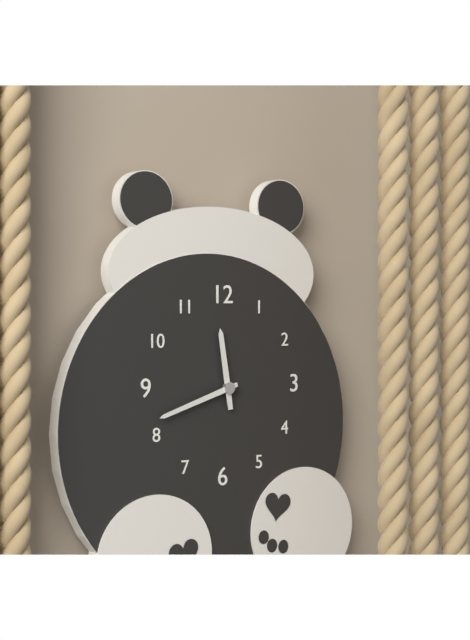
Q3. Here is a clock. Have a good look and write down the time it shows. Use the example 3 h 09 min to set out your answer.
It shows 11 h 42 min
